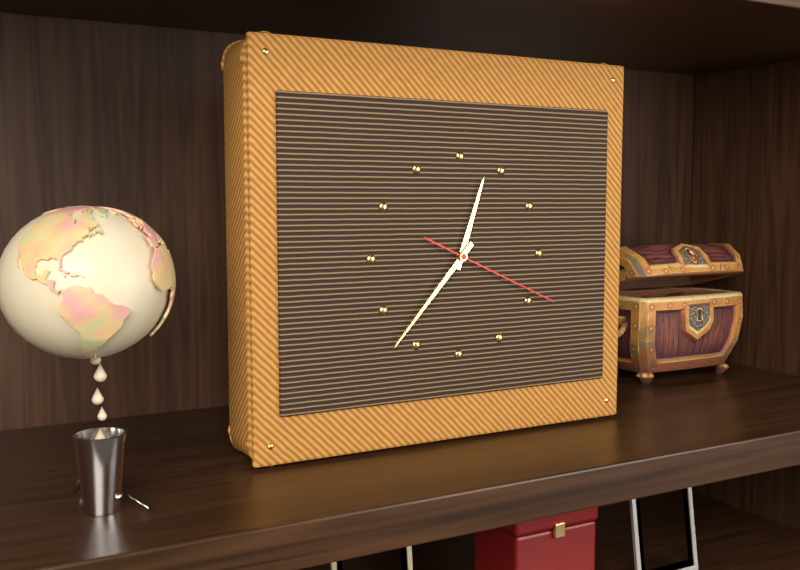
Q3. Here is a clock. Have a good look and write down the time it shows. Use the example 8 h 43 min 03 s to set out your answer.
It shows 12 h 37 min 19 s
